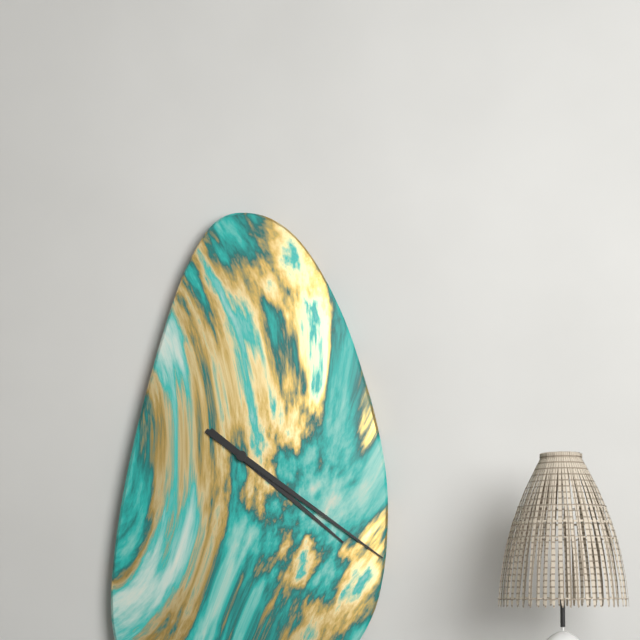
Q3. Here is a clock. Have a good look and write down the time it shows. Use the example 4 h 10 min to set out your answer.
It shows 4 h 21 min
